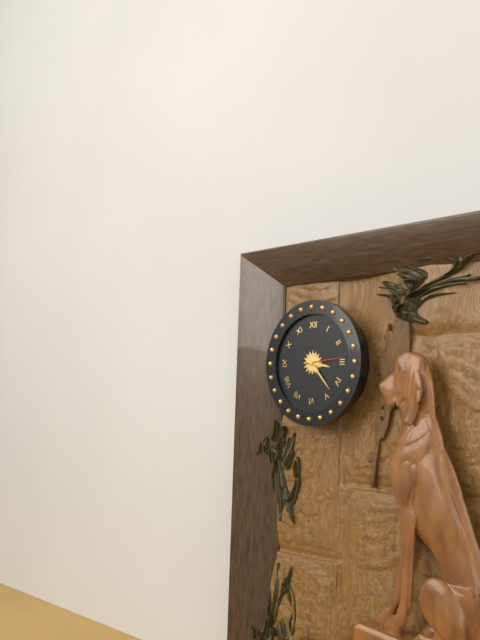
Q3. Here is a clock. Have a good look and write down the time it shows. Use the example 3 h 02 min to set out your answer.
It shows 3 h 23 min
